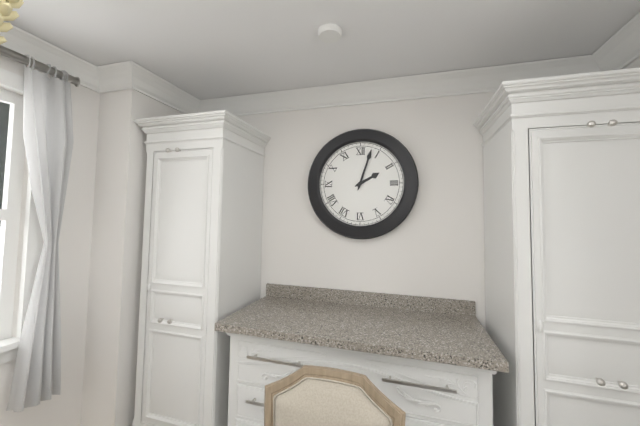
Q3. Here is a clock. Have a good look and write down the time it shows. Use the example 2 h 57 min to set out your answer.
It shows 2 h 03 min
